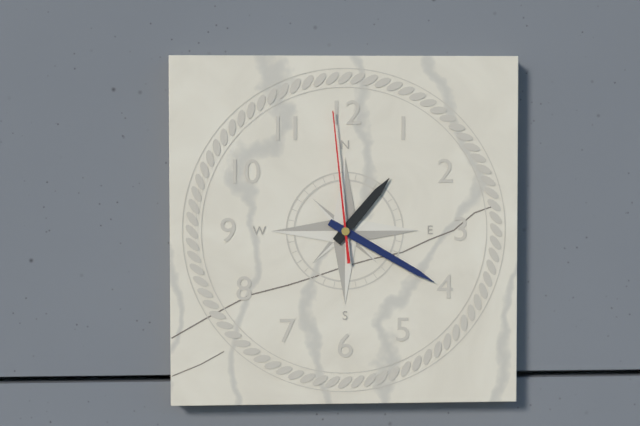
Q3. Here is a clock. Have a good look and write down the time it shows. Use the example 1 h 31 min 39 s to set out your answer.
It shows 1 h 20 min 59 s
